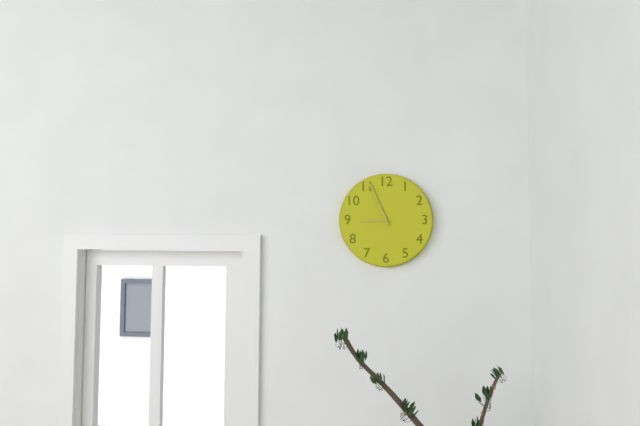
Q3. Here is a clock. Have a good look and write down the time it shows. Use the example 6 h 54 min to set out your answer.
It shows 8 h 56 min
